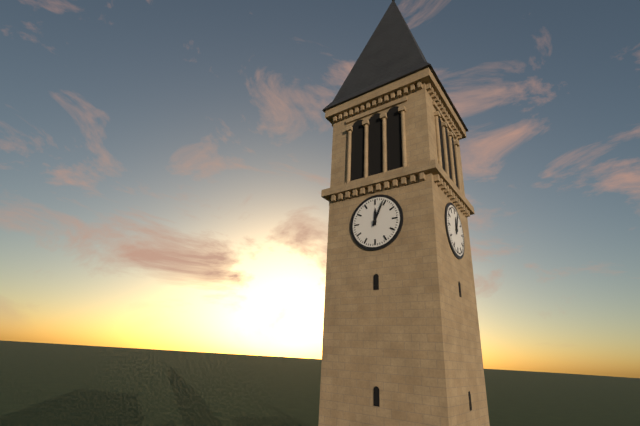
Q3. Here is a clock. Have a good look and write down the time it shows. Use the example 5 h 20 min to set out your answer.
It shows 12 h 04 min
